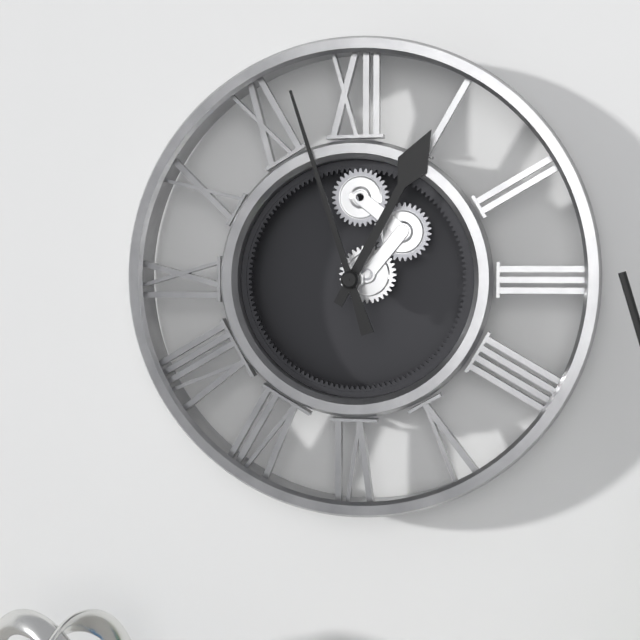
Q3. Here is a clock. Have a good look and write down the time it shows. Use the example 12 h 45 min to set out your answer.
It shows 12 h 57 min
